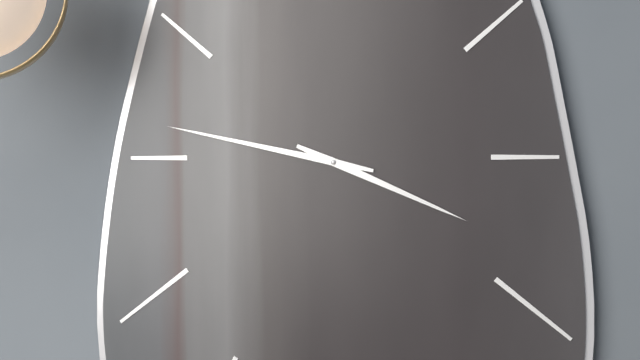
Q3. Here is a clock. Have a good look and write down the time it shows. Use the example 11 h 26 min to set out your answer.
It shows 3 h 47 min
